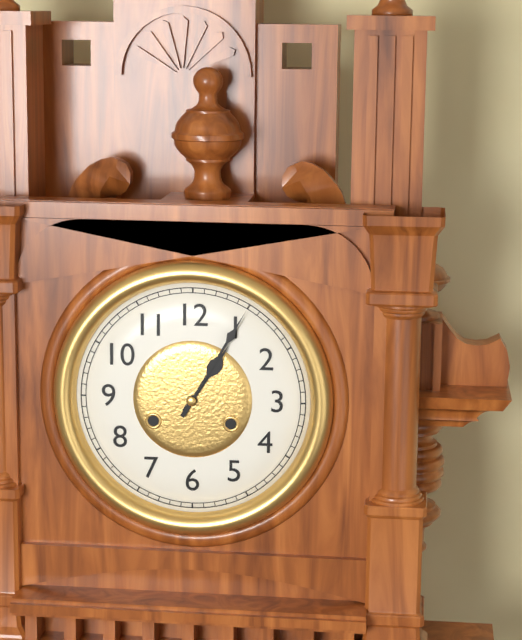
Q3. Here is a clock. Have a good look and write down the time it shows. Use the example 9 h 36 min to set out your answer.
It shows 1 h 05 min
